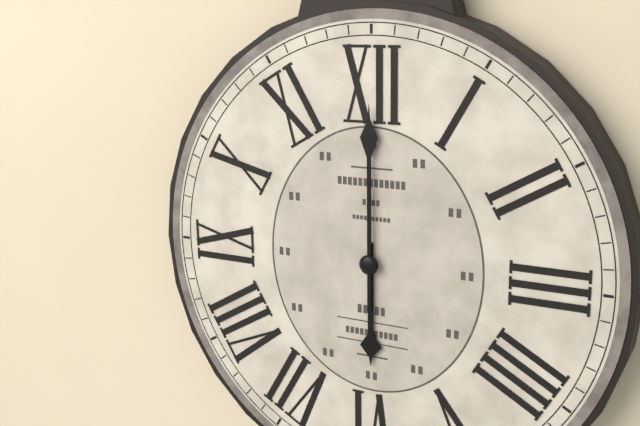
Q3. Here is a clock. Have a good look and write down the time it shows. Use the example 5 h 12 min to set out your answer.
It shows 6 h 00 min
